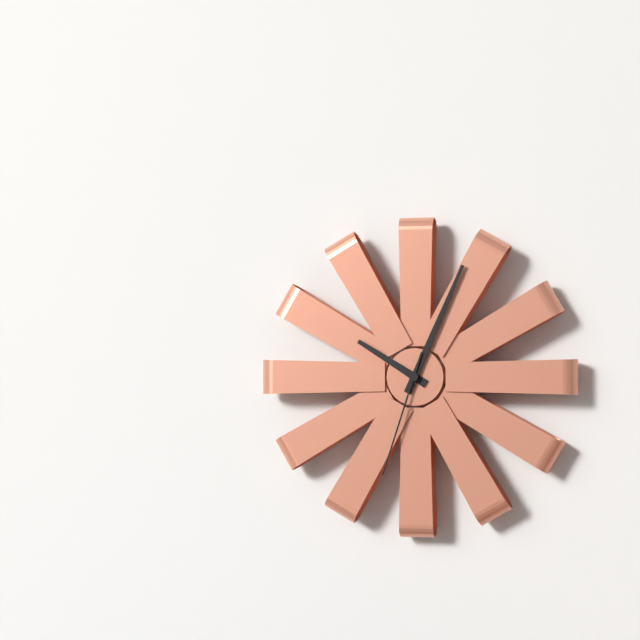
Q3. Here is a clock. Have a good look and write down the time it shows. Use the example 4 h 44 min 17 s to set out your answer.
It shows 10 h 04 min 33 s
